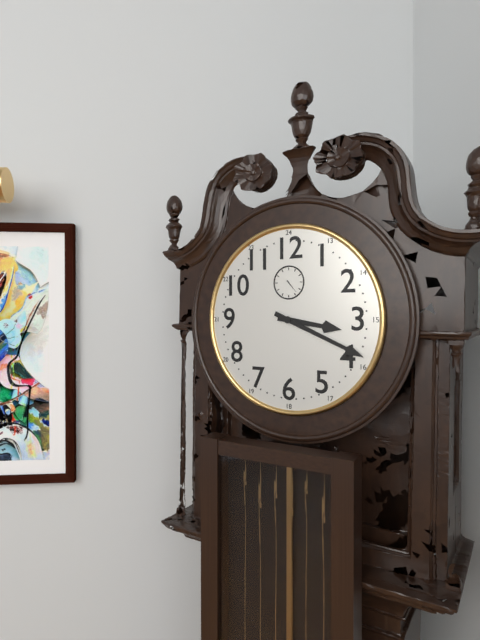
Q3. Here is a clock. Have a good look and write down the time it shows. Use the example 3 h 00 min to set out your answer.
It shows 3 h 19 min
